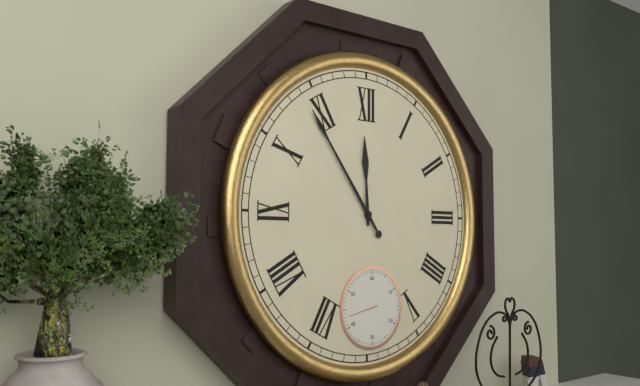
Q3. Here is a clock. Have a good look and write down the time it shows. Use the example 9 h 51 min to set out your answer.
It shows 11 h 54 min
